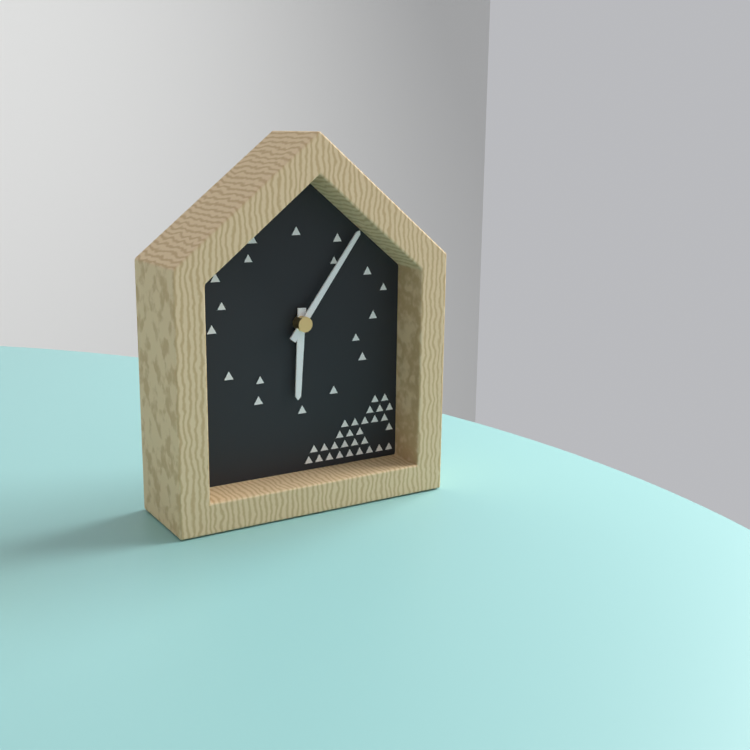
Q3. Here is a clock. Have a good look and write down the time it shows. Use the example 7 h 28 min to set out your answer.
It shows 6 h 06 min
